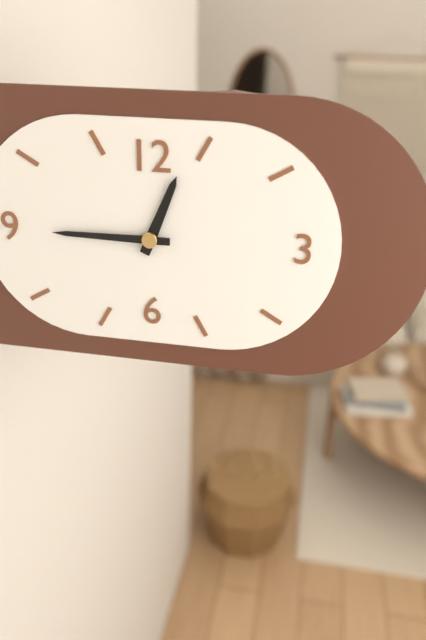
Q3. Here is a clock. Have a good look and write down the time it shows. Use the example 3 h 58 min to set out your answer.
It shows 12 h 45 min
